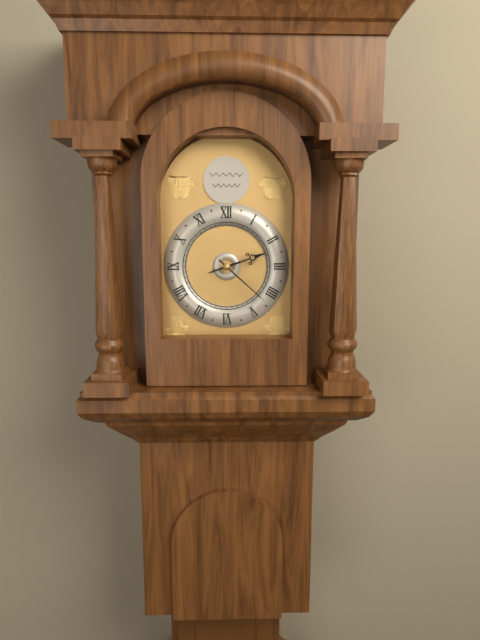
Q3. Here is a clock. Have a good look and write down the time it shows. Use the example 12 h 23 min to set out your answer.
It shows 2 h 22 min
